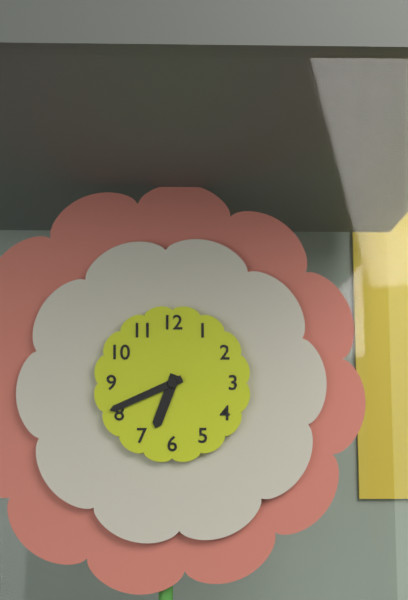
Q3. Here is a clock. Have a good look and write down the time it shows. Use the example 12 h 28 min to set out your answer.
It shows 6 h 41 min
